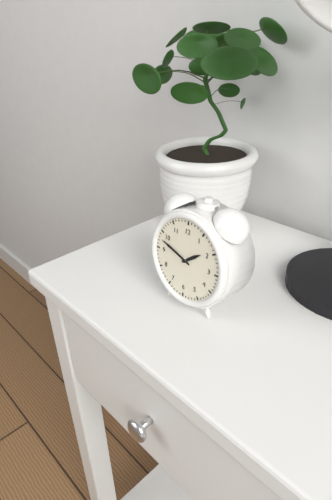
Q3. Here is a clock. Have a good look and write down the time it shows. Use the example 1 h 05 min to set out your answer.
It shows 1 h 48 min
